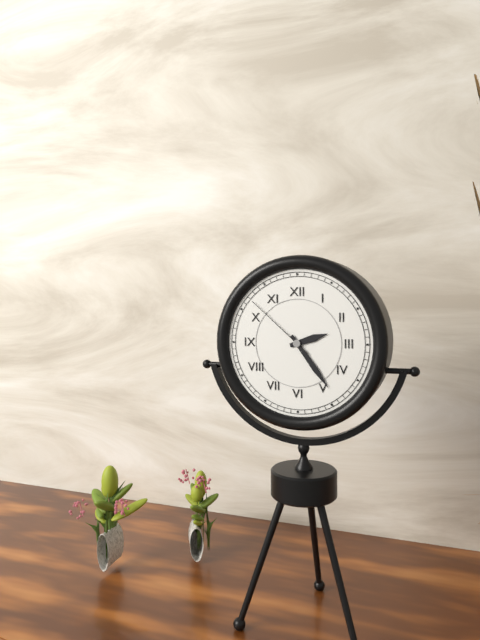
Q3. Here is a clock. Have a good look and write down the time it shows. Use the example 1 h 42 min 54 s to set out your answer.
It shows 2 h 24 min 52 s
